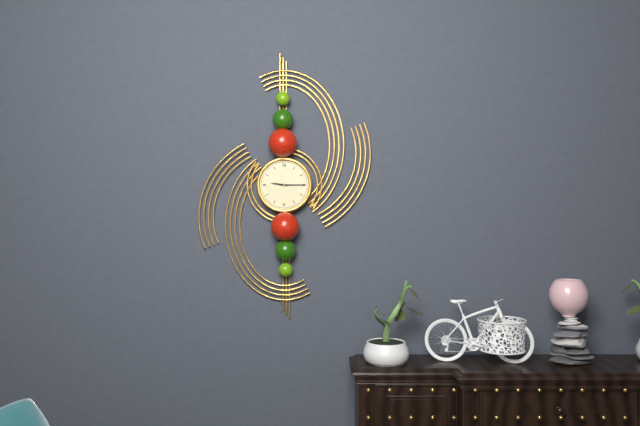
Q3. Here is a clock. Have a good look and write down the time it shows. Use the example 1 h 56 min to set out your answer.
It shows 9 h 15 min
